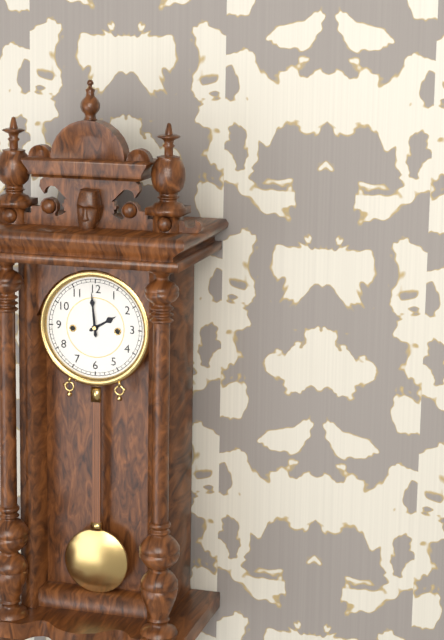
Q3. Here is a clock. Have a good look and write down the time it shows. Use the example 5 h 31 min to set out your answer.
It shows 1 h 59 min
